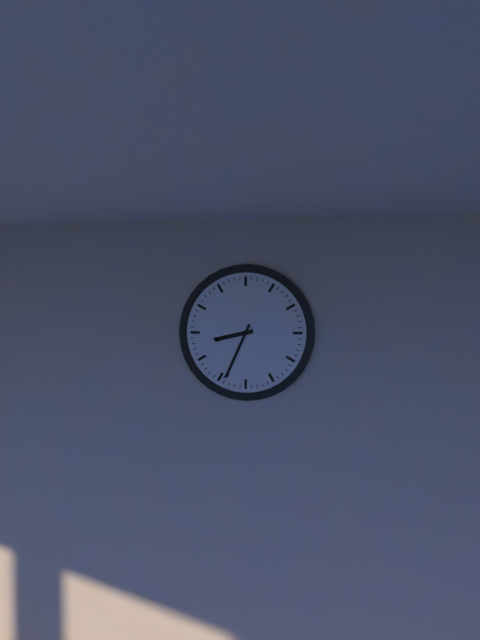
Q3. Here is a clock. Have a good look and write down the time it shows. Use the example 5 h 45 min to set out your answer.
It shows 8 h 34 min
